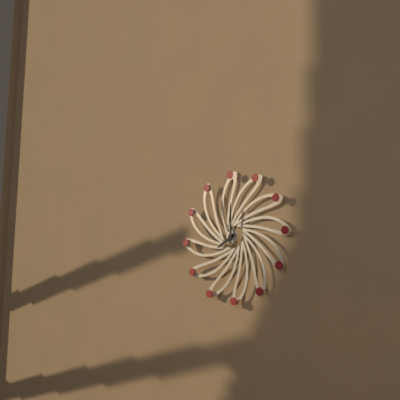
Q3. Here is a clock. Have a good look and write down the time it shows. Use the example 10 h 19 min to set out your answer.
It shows 8 h 00 min
